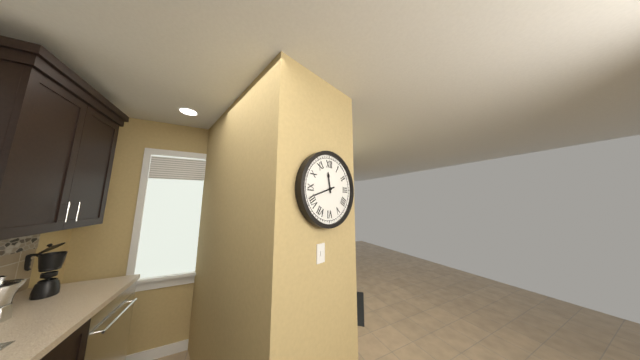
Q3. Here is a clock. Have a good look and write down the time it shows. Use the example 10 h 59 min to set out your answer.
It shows 11 h 42 min
